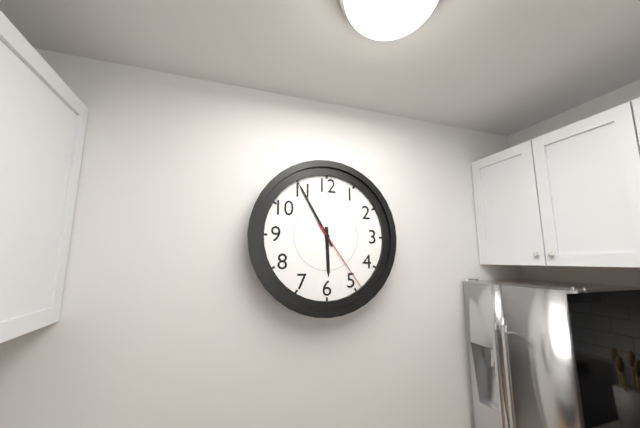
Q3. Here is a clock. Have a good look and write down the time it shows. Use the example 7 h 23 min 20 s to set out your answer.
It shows 5 h 55 min 24 s
